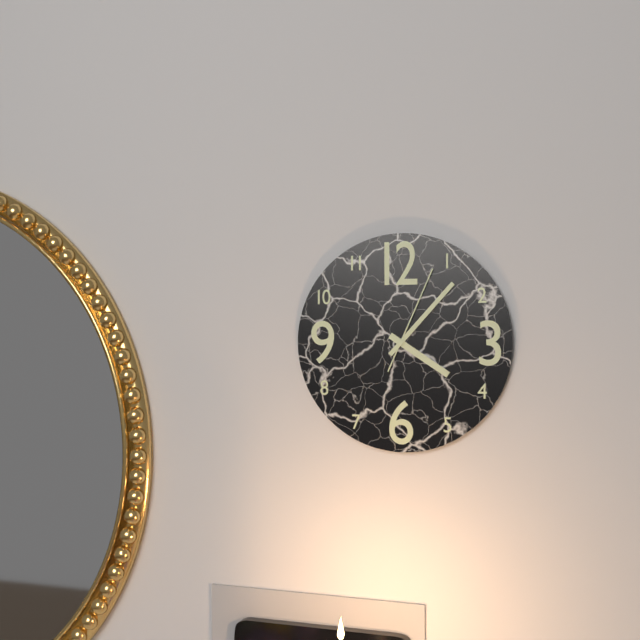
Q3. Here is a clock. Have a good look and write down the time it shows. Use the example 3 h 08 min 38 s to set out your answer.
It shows 4 h 07 min 04 s
